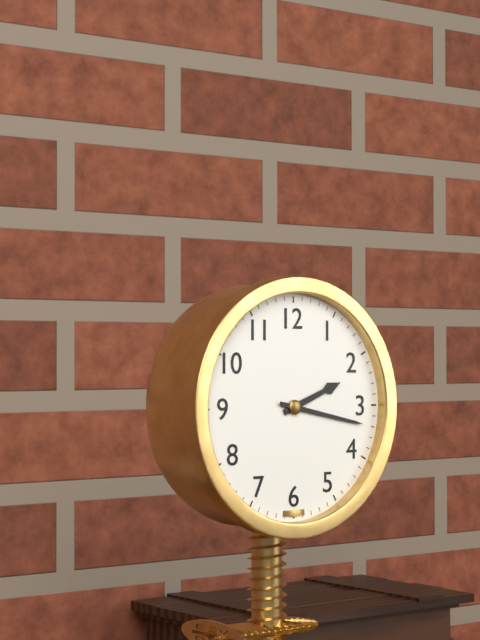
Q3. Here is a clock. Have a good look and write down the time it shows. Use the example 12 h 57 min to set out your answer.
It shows 2 h 17 min
